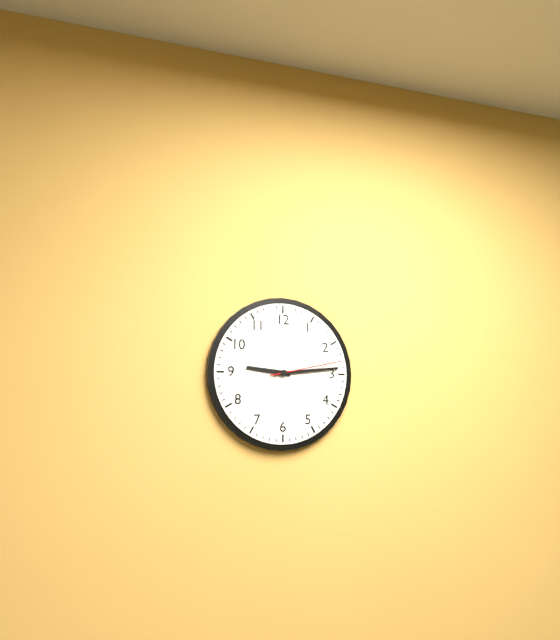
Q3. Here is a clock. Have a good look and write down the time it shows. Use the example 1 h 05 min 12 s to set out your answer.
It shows 9 h 14 min 13 s
